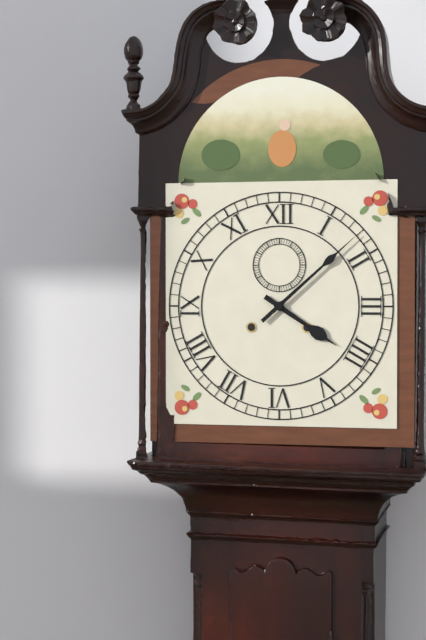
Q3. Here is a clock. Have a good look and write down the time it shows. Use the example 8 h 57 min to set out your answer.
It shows 4 h 08 min
